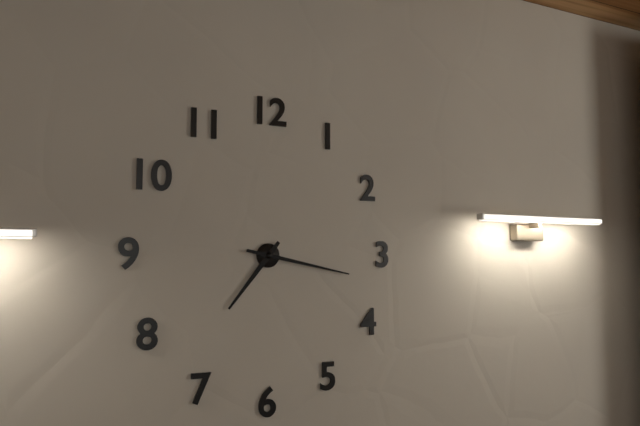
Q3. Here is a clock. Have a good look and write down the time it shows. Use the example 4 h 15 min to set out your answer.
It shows 7 h 17 min
